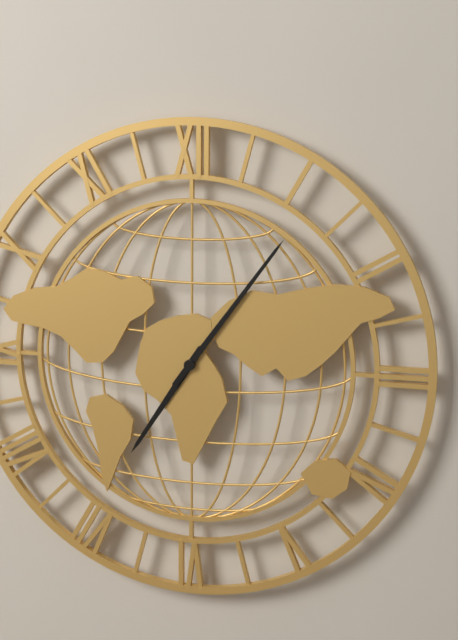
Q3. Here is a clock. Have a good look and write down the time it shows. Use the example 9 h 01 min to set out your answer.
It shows 7 h 06 min
